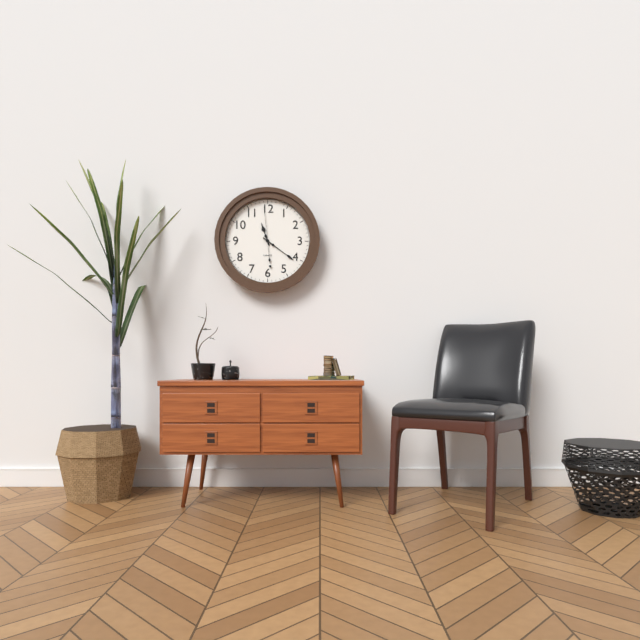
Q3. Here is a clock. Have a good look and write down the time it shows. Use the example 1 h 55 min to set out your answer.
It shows 11 h 21 min
